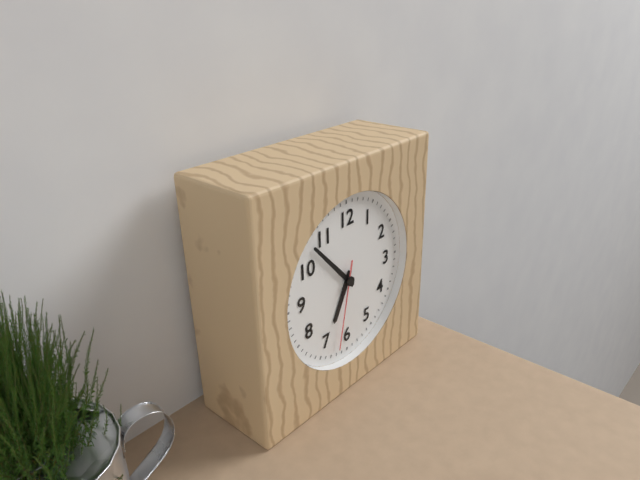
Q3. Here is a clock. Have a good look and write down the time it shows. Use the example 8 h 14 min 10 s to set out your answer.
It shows 6 h 53 min 32 s
